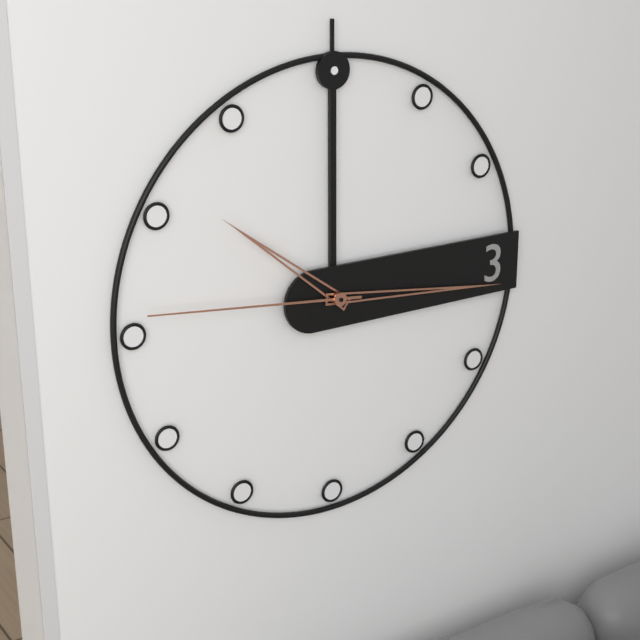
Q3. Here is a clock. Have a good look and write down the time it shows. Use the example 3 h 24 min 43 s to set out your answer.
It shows 10 h 16 min 46 s
